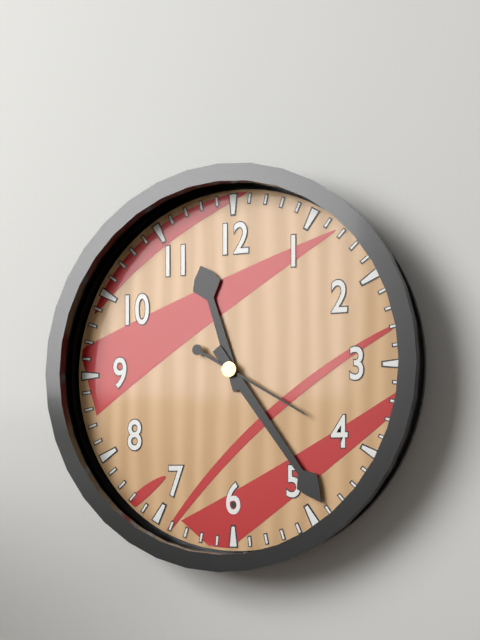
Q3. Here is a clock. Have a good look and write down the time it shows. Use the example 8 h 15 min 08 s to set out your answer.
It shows 11 h 24 min 20 s
